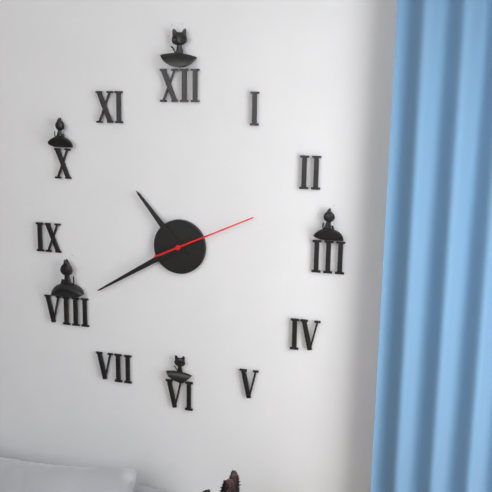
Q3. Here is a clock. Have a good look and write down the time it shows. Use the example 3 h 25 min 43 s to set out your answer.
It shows 10 h 40 min 11 s
